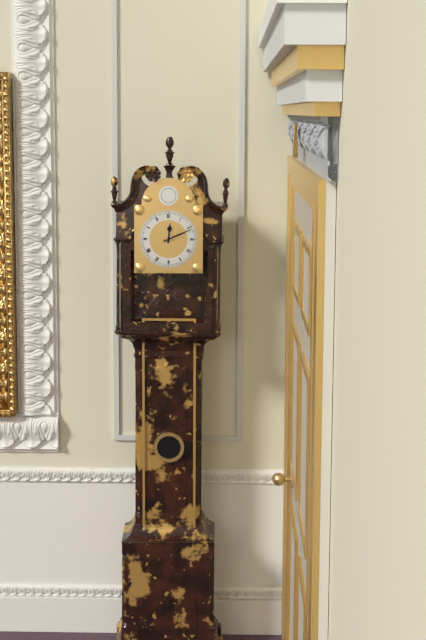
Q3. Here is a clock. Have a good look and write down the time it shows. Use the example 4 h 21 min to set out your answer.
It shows 12 h 11 min
